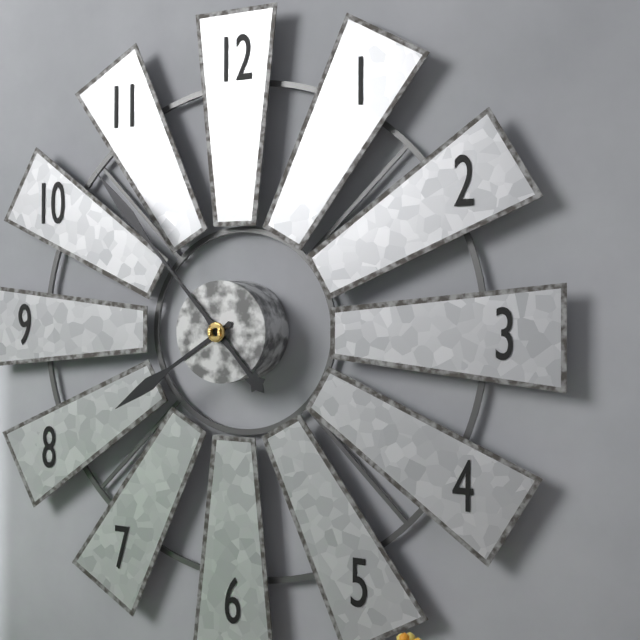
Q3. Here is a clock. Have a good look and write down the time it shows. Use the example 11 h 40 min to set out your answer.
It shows 7 h 53 min
